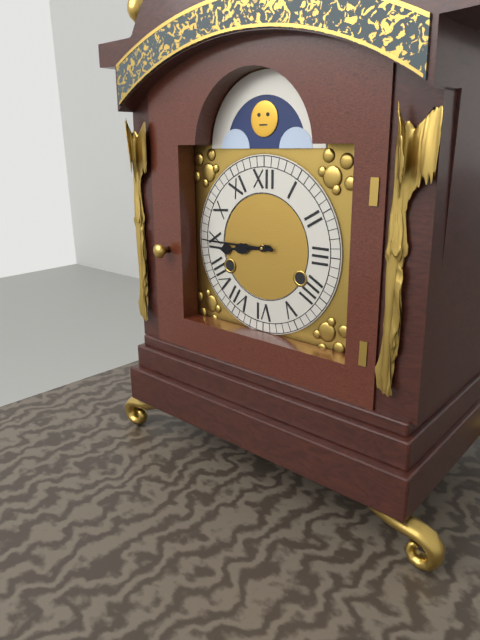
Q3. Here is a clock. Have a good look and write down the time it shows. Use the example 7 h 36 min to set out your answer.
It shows 8 h 45 min
